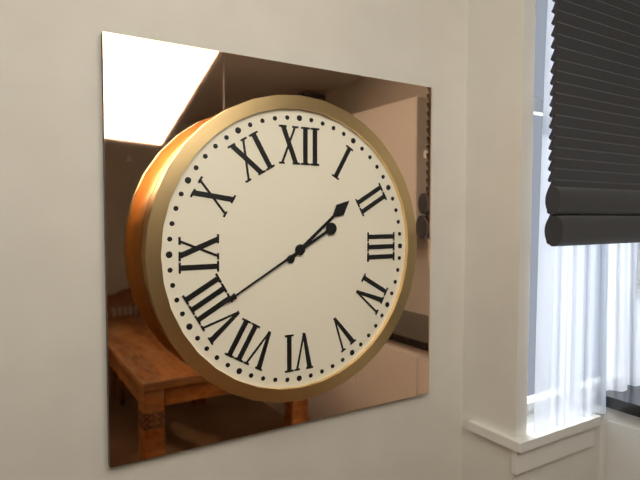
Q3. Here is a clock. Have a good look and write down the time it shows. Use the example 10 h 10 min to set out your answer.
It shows 1 h 40 min
